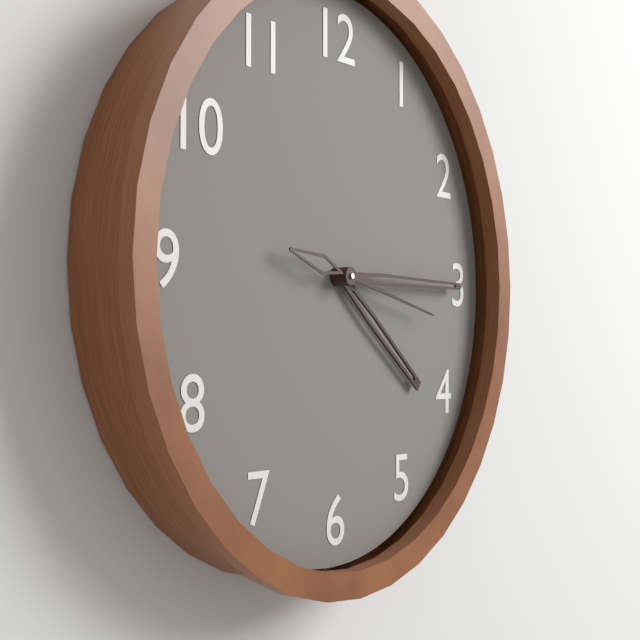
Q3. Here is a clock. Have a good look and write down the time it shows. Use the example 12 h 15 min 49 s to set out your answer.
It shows 4 h 15 min 17 s
